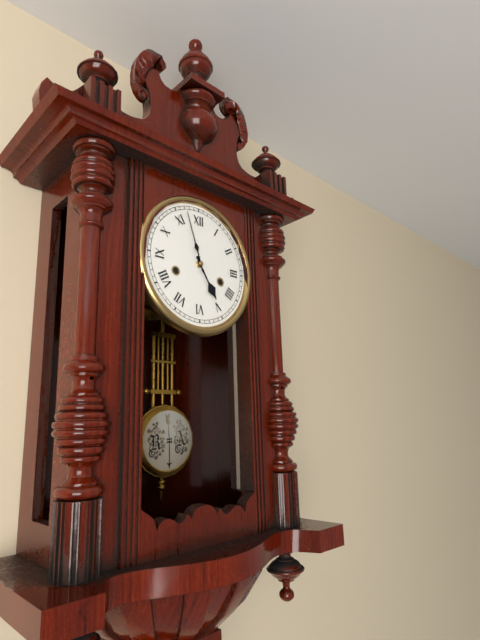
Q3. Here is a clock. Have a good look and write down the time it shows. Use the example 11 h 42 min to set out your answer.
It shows 4 h 57 min
